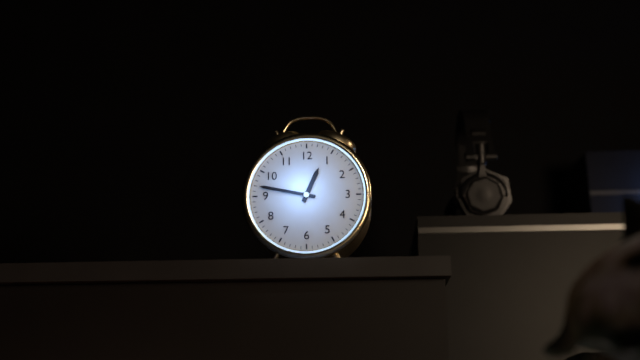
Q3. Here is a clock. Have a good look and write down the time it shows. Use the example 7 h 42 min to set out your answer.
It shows 12 h 47 min
